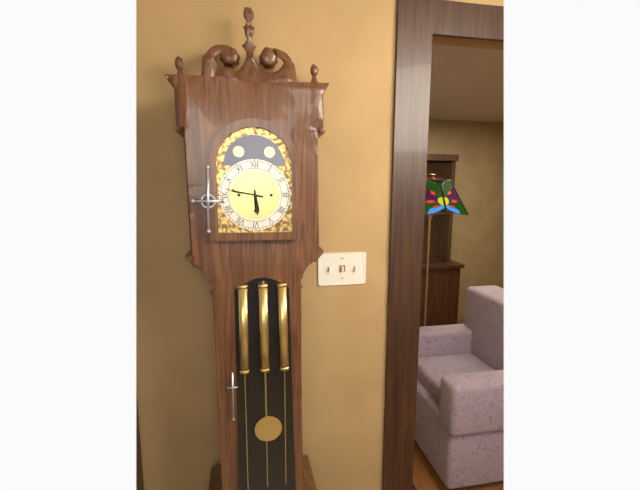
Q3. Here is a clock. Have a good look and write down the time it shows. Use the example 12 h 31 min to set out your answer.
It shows 5 h 47 min
